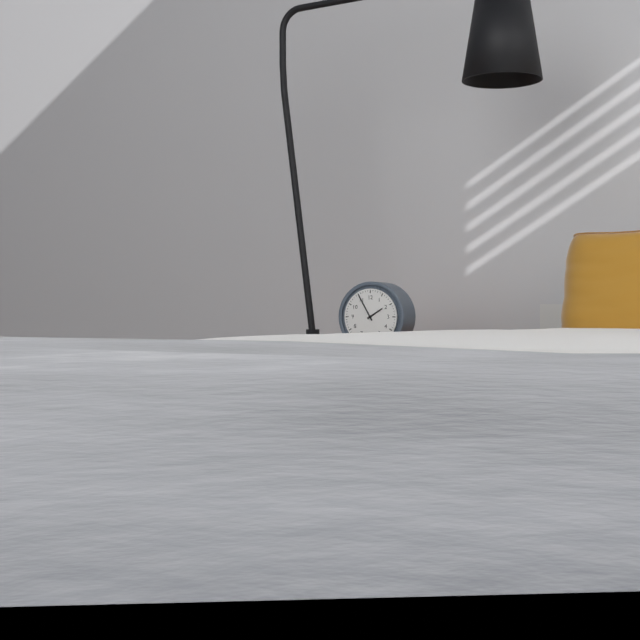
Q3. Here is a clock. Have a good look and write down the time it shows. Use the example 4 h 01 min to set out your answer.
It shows 1 h 55 min
